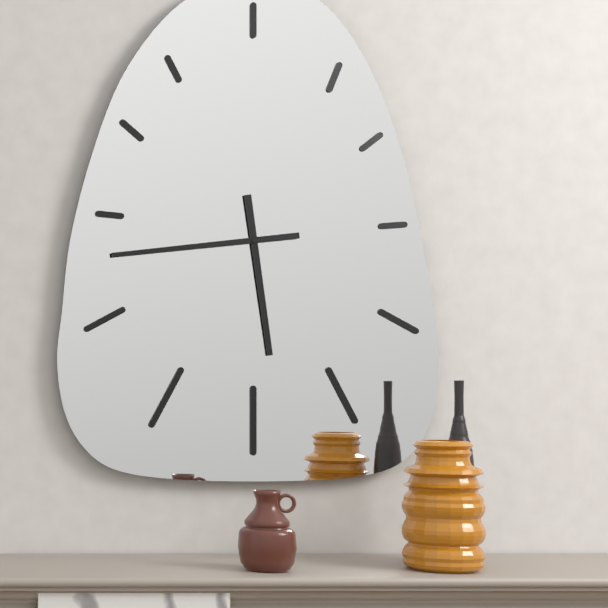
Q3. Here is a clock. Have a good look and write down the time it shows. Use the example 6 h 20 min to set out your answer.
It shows 5 h 44 min
